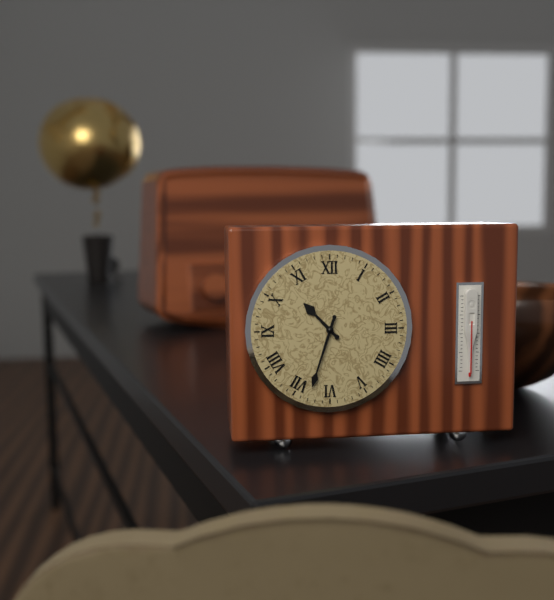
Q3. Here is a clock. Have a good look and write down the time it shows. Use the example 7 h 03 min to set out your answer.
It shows 10 h 33 min
